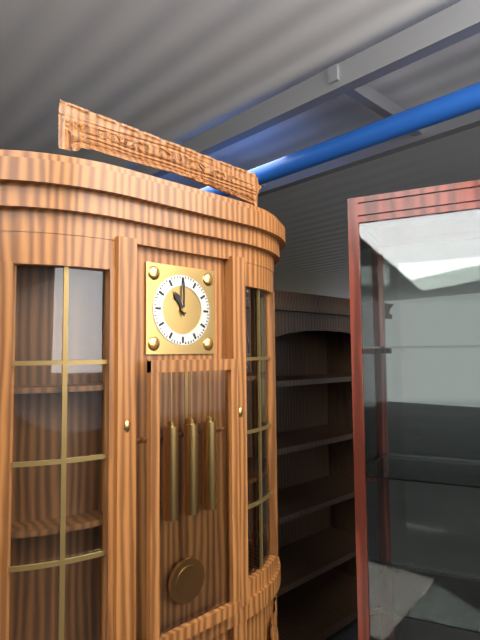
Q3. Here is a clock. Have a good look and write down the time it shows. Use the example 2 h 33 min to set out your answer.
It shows 11 h 00 min
